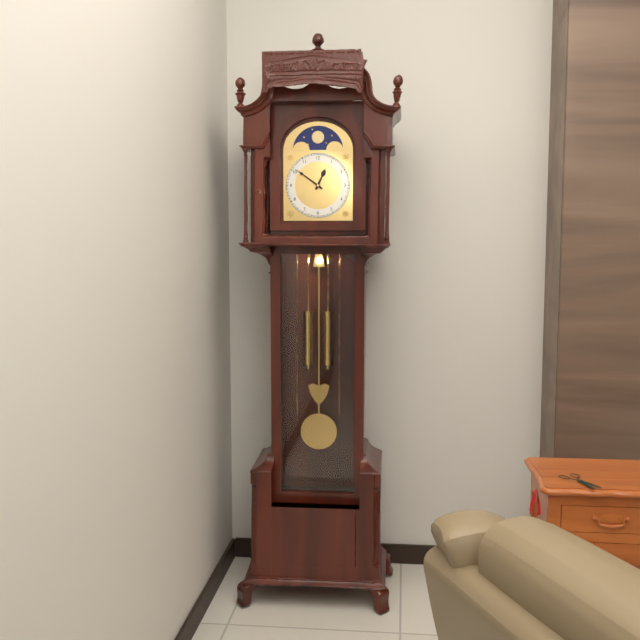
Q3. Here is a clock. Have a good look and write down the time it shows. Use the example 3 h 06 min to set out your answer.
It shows 12 h 51 min
